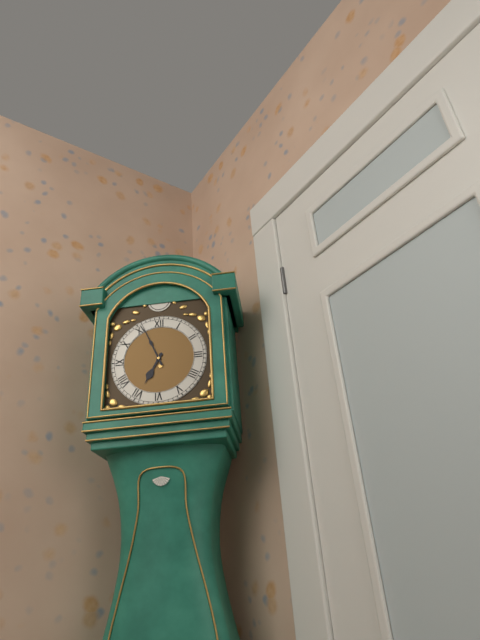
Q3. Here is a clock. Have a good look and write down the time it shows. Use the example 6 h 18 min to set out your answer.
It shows 6 h 56 min
